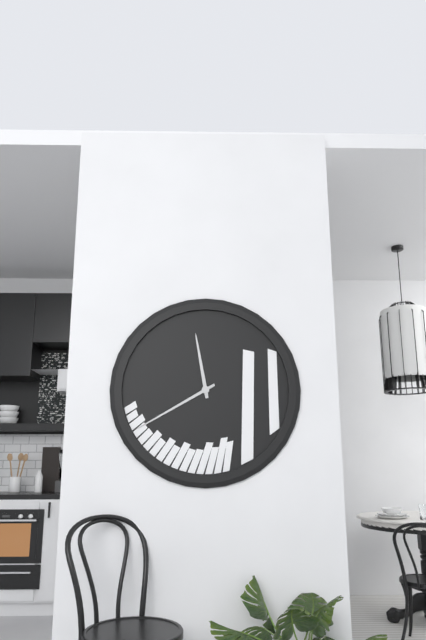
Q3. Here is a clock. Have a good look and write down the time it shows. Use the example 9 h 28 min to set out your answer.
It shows 11 h 40 min
